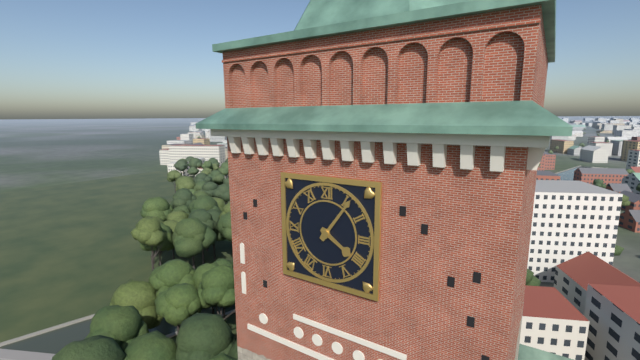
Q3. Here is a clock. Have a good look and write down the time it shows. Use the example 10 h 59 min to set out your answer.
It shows 4 h 06 min
